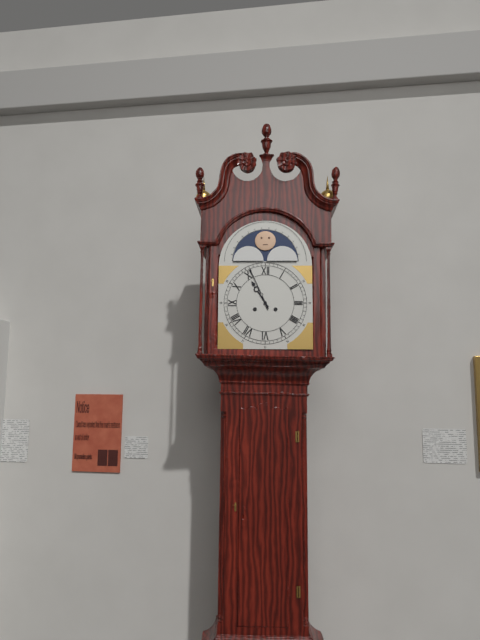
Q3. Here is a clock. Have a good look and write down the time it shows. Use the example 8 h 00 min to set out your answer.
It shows 10 h 56 min
